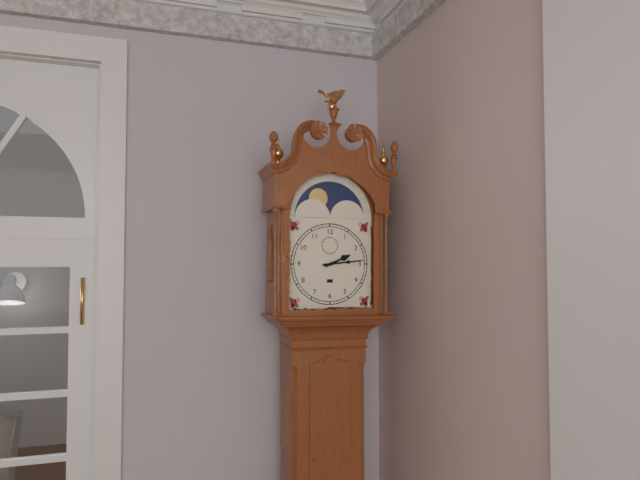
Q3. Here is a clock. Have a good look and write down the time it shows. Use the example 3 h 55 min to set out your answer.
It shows 2 h 14 min
